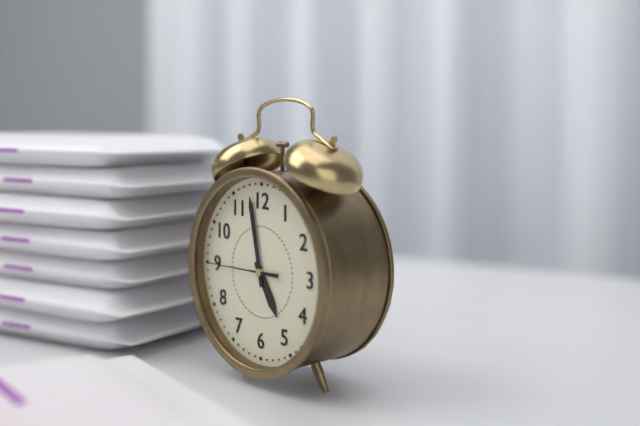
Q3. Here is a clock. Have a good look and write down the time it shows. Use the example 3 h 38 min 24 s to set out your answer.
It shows 4 h 58 min 45 s
